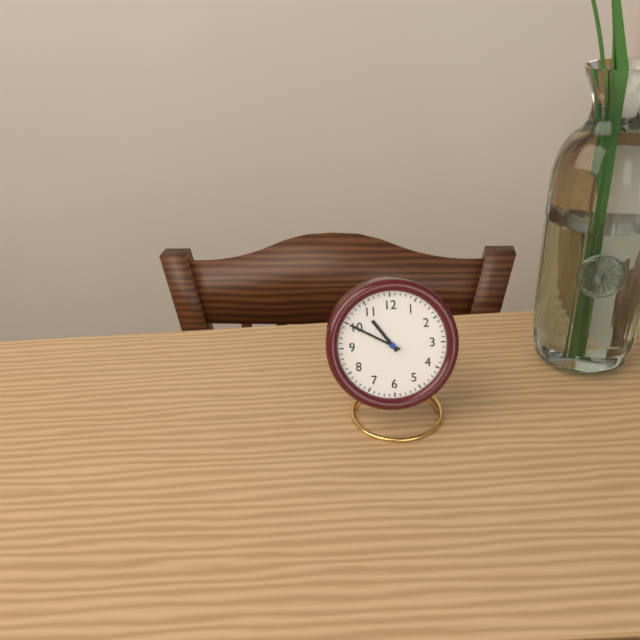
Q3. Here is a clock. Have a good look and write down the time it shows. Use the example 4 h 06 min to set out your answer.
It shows 10 h 50 min
